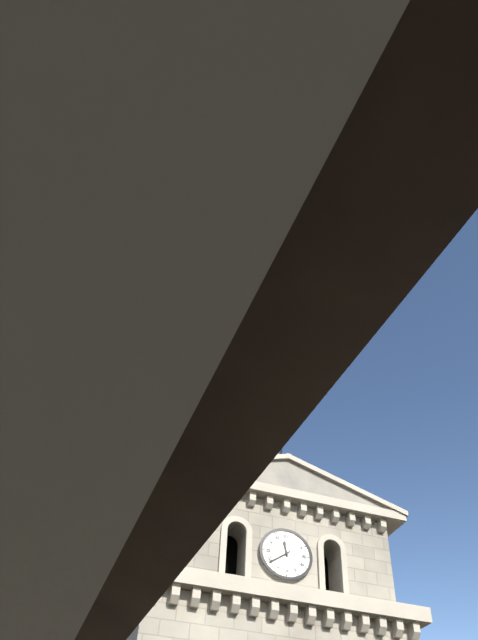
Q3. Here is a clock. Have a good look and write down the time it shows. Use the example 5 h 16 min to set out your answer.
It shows 11 h 39 min
